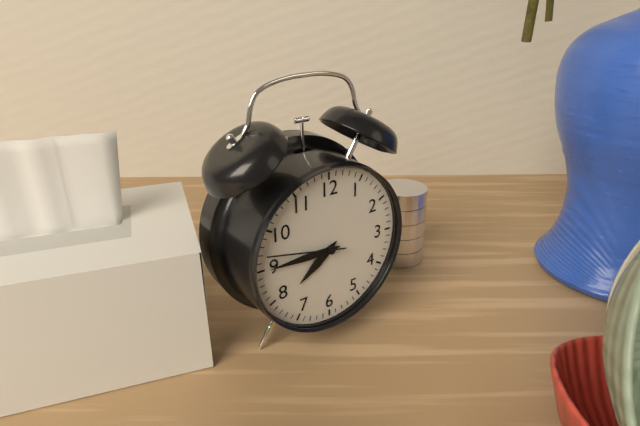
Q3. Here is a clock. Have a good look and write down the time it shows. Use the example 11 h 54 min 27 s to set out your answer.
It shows 7 h 45 min 47 s
